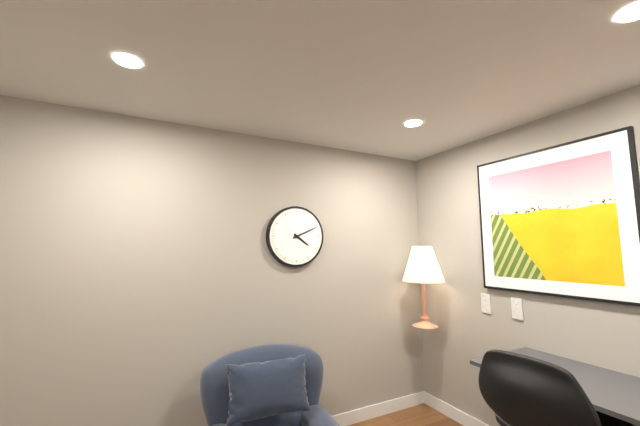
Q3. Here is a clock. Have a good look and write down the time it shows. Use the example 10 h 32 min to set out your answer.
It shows 4 h 11 min
